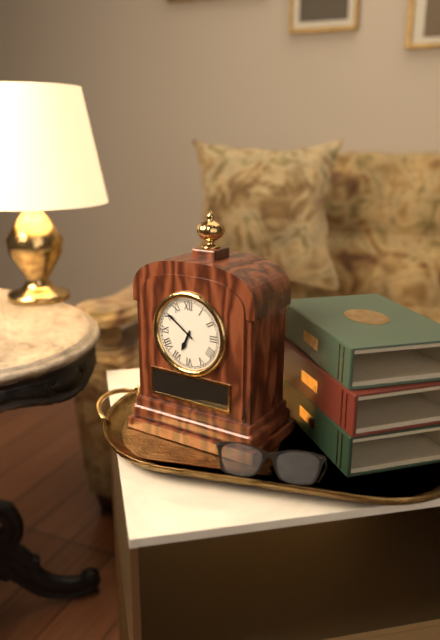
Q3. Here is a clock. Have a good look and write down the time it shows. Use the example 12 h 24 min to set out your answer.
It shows 6 h 51 min
